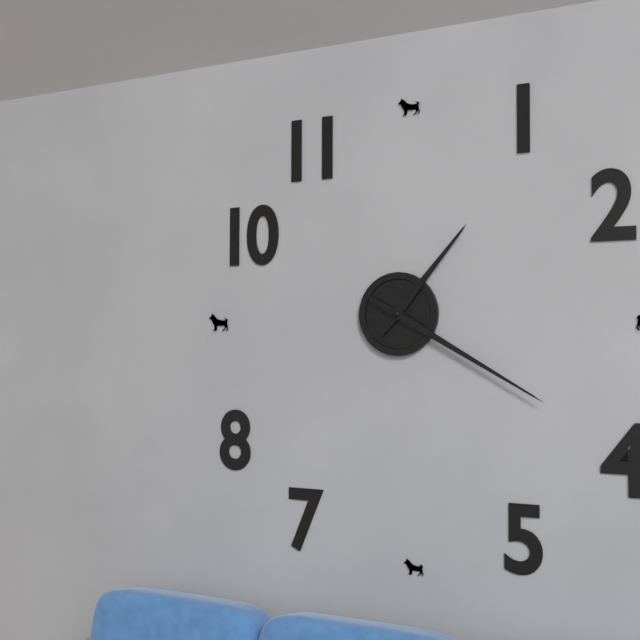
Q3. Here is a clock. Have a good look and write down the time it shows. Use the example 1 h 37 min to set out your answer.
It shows 1 h 20 min
